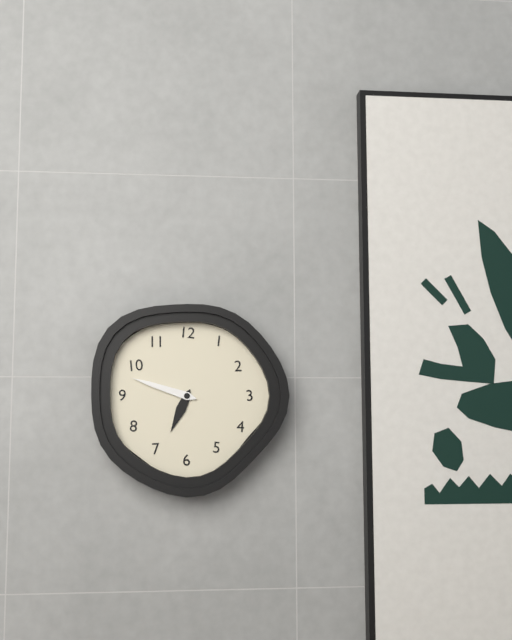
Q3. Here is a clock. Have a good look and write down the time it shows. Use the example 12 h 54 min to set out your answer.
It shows 6 h 48 min
